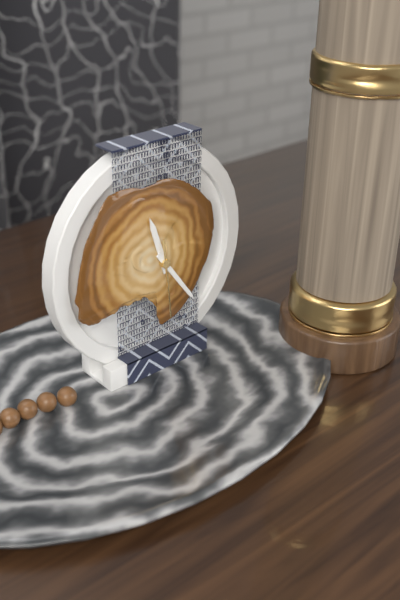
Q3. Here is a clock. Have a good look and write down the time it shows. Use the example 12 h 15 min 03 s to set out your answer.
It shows 11 h 24 min 29 s
